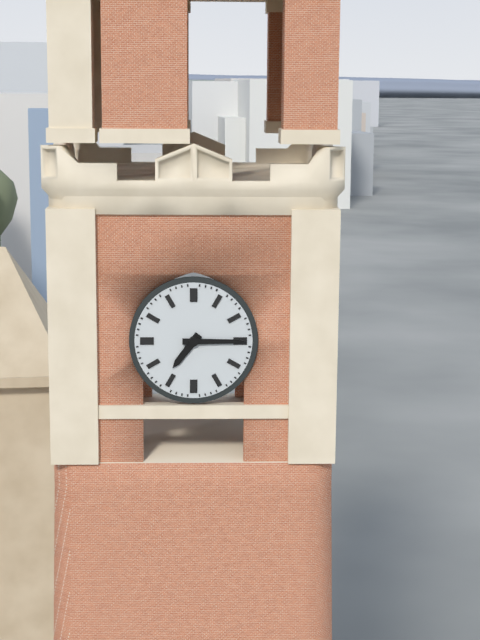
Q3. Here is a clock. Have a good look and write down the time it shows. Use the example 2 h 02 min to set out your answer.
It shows 7 h 15 min
